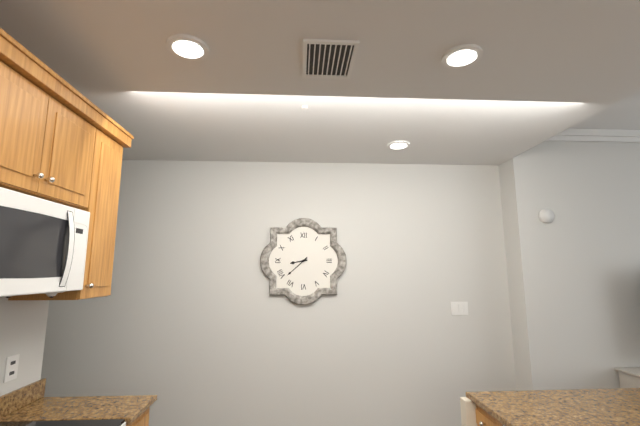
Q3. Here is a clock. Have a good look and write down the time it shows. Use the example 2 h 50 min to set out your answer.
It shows 8 h 38 min
